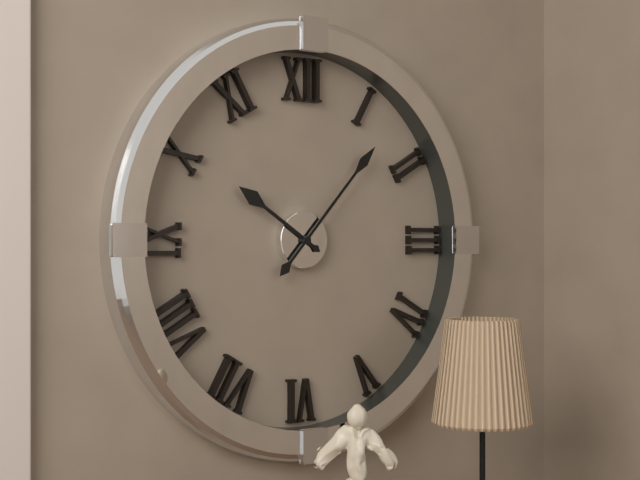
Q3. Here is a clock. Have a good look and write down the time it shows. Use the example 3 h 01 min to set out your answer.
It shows 10 h 07 min
